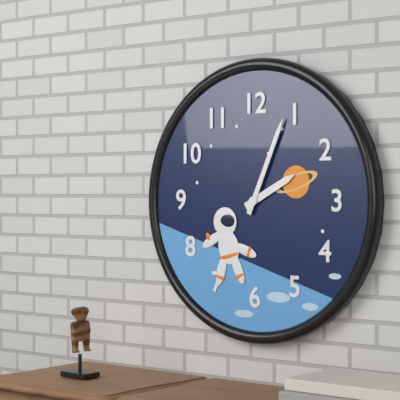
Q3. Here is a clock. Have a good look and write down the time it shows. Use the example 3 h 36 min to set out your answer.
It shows 2 h 04 min
